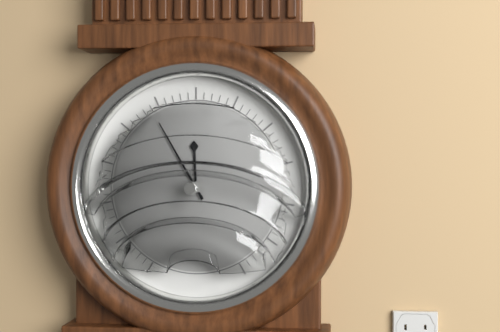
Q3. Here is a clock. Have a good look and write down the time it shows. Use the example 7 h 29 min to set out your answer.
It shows 11 h 55 min
